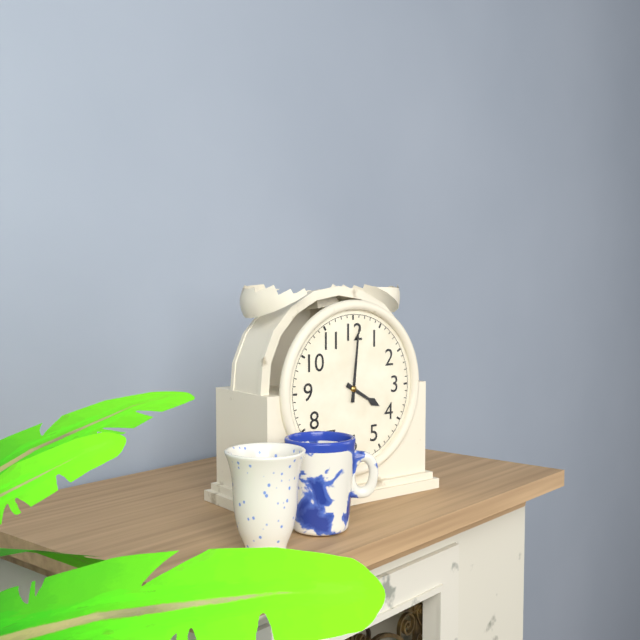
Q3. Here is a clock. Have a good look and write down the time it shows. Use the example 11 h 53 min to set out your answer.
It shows 4 h 01 min
